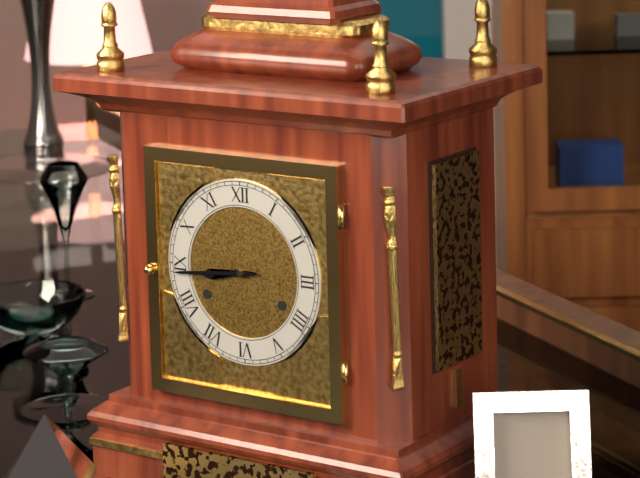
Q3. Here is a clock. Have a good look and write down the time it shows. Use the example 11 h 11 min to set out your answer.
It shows 8 h 44 min
